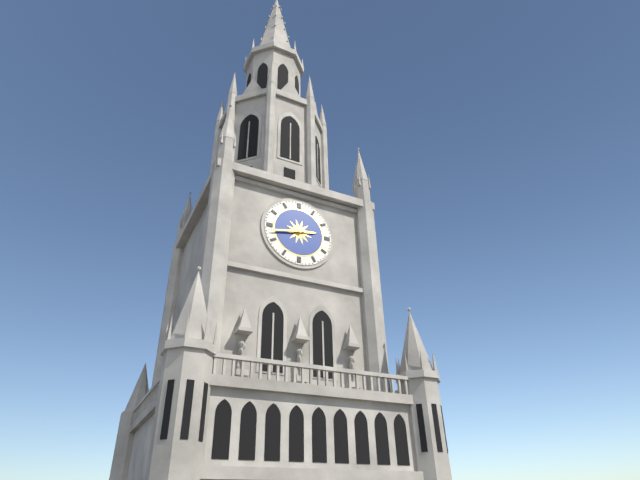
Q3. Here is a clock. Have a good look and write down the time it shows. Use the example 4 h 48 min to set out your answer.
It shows 2 h 43 min
